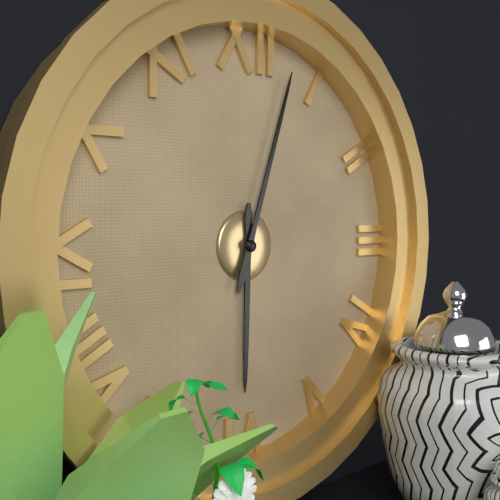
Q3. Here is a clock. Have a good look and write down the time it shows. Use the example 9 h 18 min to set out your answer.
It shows 6 h 03 min
